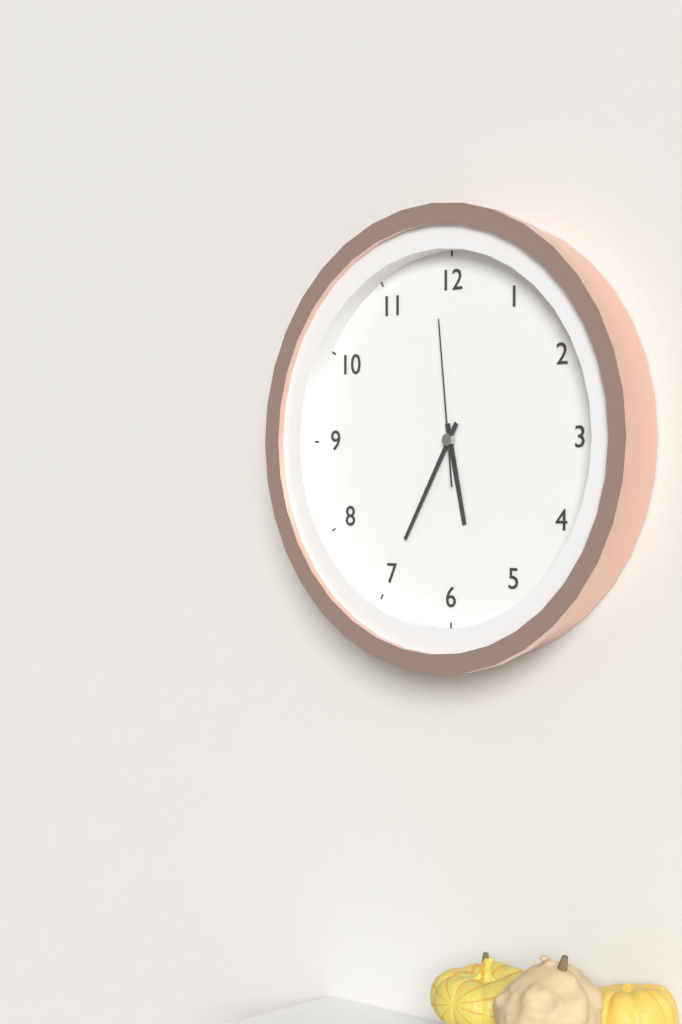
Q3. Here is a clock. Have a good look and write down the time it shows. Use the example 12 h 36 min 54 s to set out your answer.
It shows 5 h 35 min 59 s
